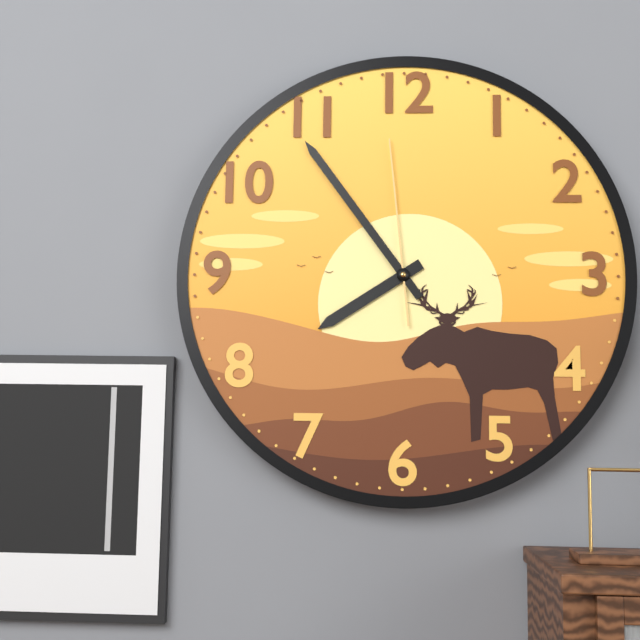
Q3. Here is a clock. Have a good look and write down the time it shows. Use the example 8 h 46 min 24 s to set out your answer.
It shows 7 h 54 min 59 s
